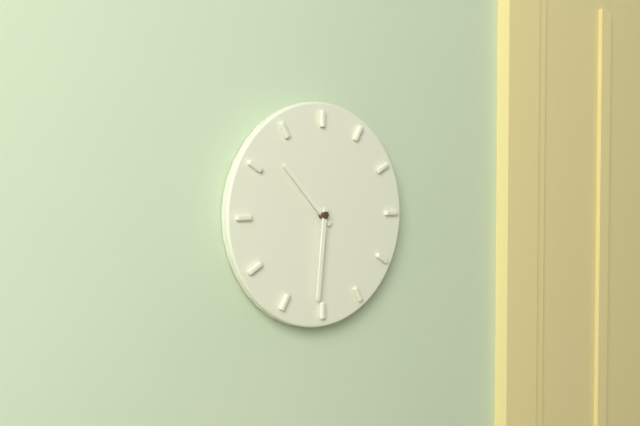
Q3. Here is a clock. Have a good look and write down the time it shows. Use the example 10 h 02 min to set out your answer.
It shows 10 h 31 min
